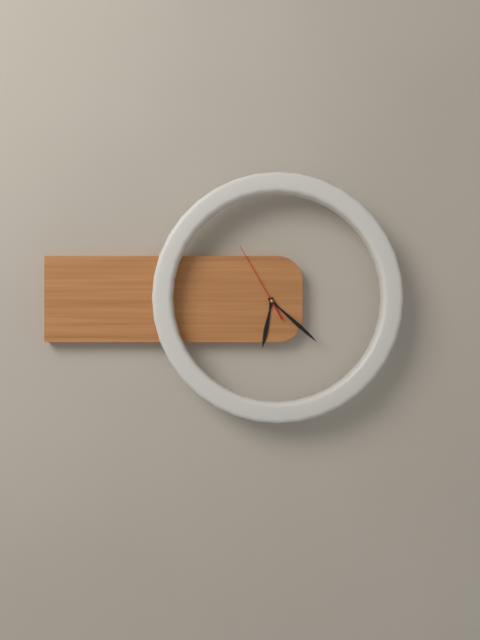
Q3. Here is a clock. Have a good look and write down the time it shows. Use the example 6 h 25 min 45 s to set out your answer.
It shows 6 h 22 min 55 s
